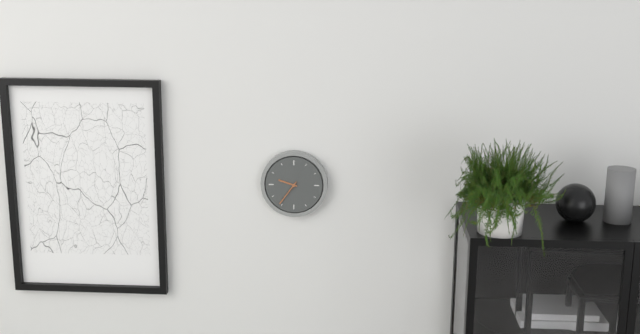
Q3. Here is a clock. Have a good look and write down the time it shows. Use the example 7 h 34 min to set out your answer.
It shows 9 h 36 min
